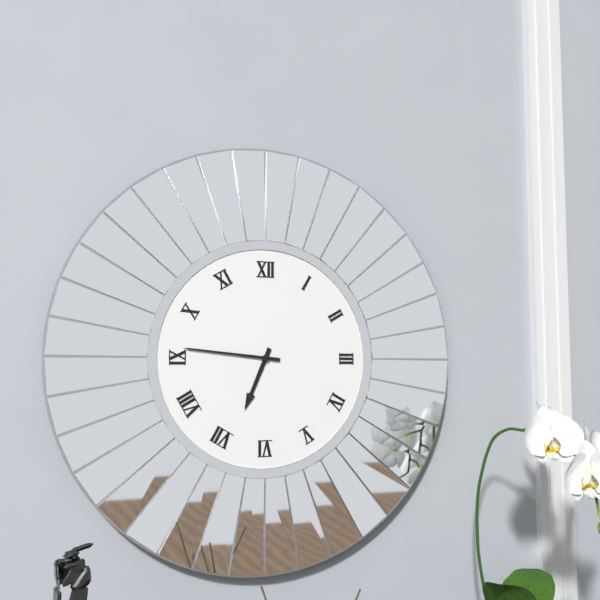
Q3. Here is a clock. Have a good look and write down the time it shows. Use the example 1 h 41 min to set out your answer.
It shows 6 h 46 min
